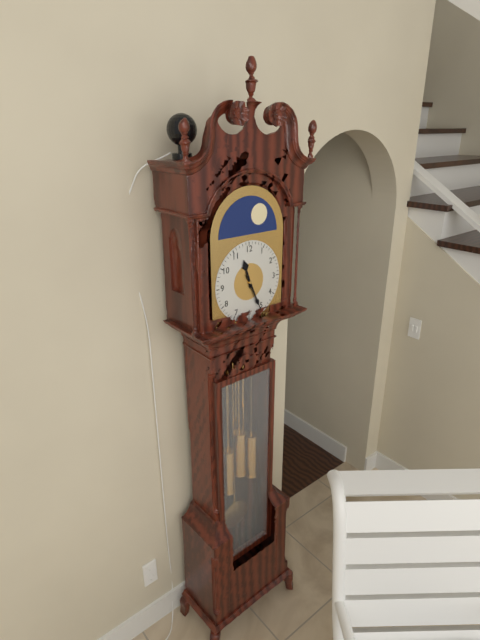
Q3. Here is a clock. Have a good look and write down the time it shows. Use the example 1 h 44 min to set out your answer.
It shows 11 h 26 min
